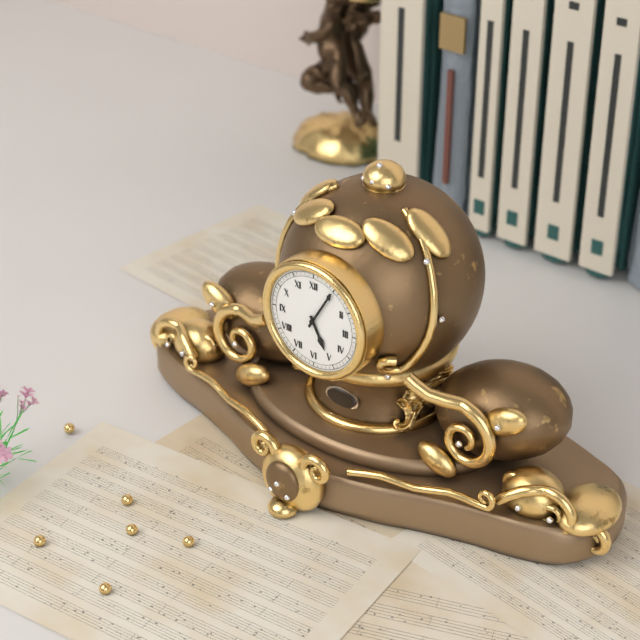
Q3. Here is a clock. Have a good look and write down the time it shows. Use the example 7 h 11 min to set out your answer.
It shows 5 h 05 min
